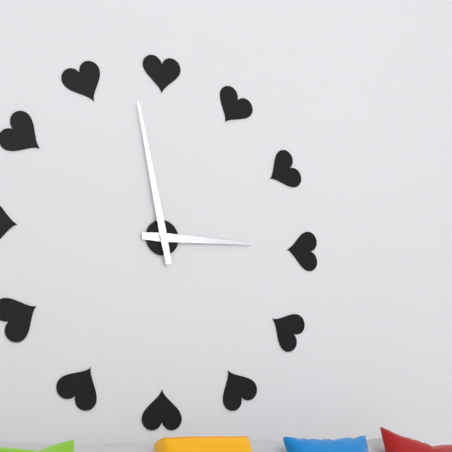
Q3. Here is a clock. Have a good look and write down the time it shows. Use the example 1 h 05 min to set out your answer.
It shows 2 h 58 min
